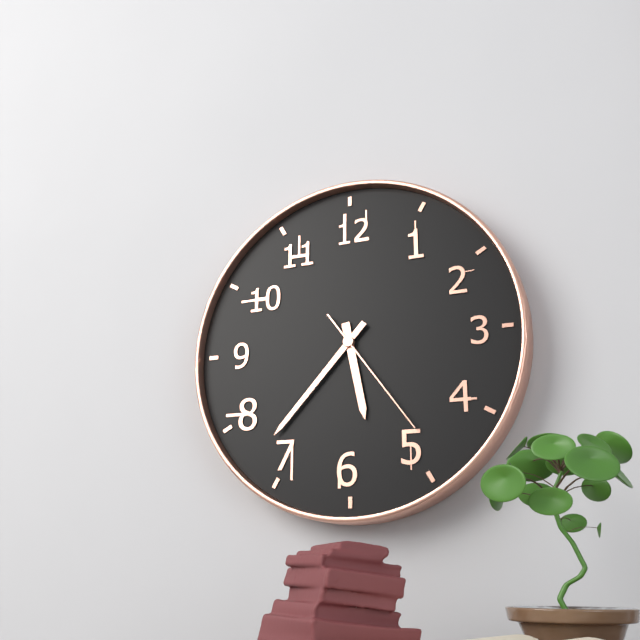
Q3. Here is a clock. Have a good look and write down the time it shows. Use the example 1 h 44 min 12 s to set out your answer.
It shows 5 h 37 min 24 s
